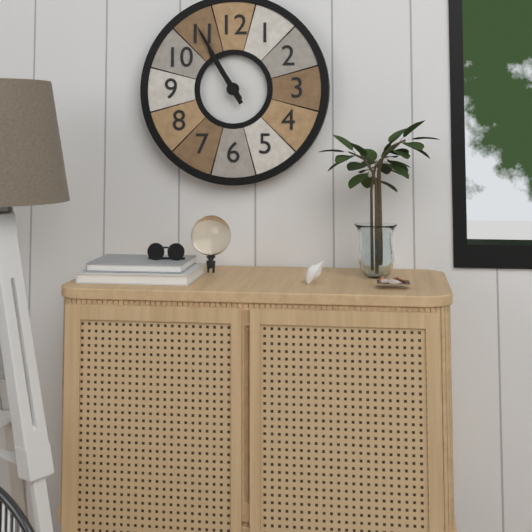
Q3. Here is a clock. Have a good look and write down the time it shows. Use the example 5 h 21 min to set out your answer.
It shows 10 h 55 min
